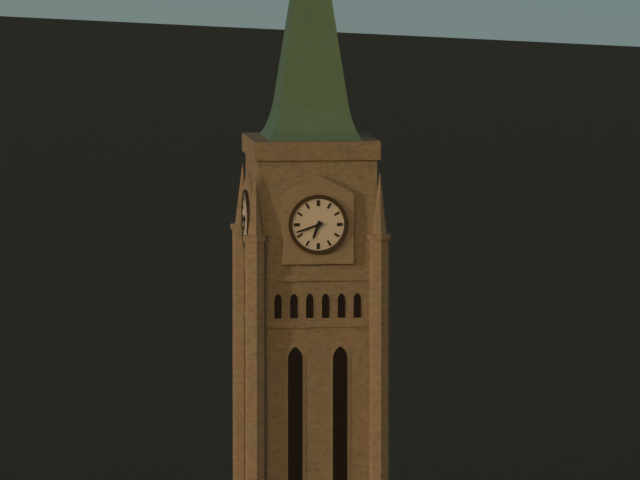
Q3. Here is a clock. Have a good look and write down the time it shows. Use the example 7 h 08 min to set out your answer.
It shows 6 h 42 min
